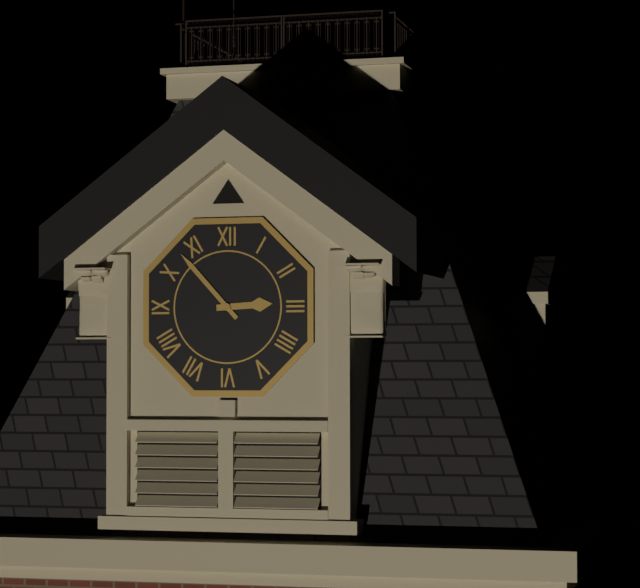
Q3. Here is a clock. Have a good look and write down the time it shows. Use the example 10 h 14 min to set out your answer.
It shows 2 h 53 min
